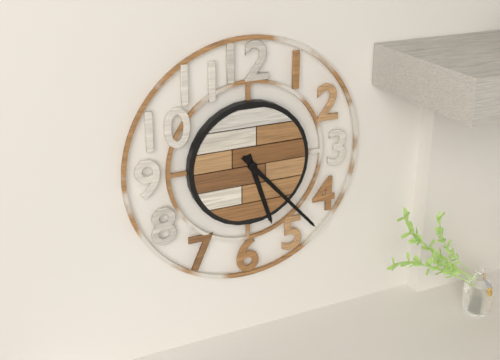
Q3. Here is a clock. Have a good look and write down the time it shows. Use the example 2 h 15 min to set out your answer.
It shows 5 h 23 min
